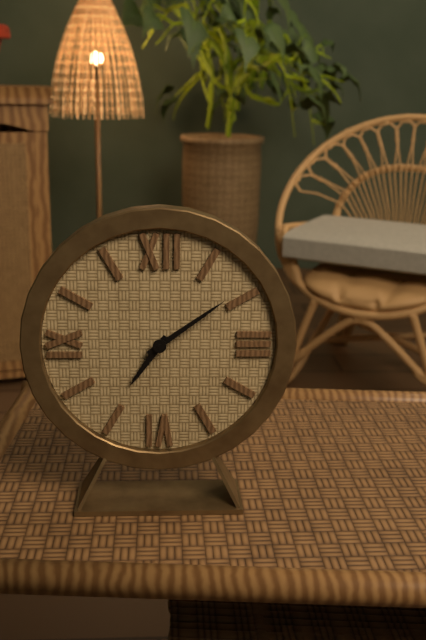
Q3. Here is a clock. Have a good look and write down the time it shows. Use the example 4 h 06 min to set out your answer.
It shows 7 h 09 min
